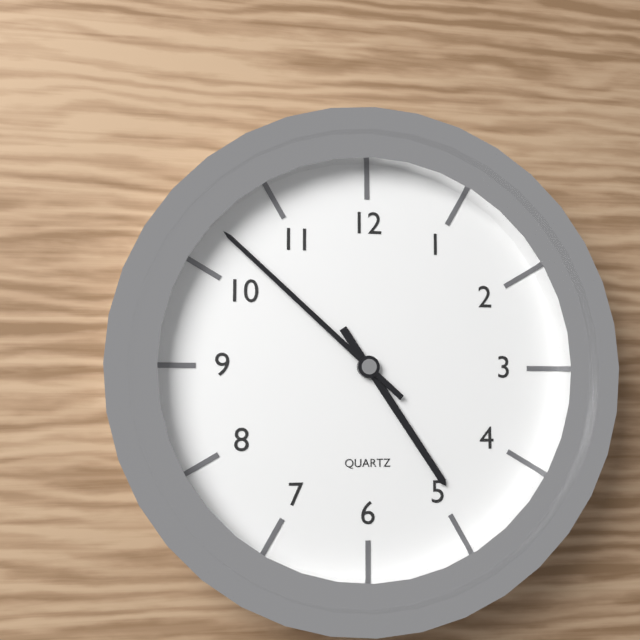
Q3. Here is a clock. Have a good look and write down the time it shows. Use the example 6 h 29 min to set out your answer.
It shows 4 h 52 min
